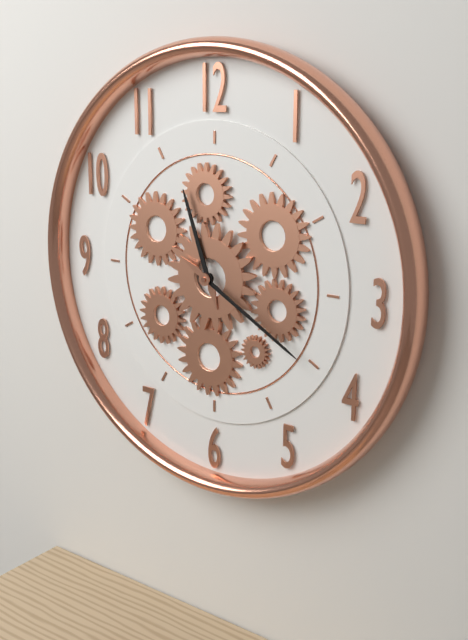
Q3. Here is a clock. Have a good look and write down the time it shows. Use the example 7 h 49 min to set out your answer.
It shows 11 h 20 min
